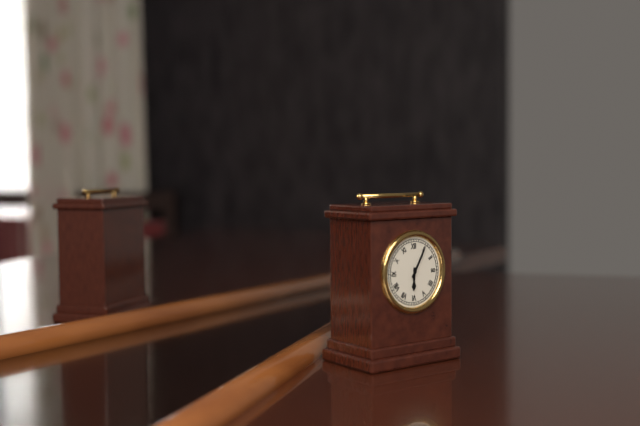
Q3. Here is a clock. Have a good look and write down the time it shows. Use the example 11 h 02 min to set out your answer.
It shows 6 h 05 min
